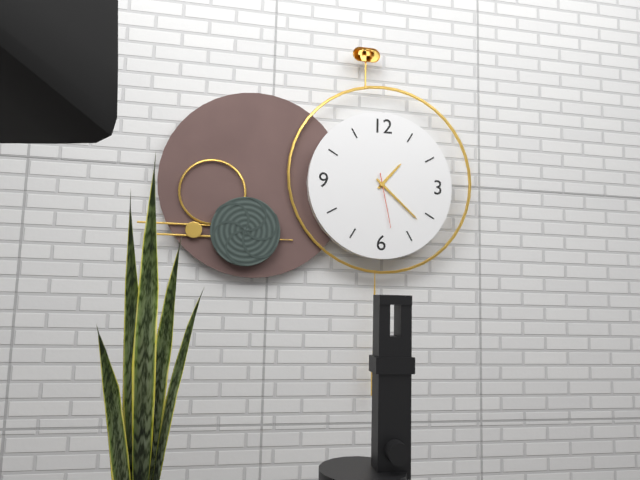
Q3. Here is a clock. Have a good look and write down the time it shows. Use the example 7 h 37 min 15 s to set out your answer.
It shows 1 h 22 min 28 s
